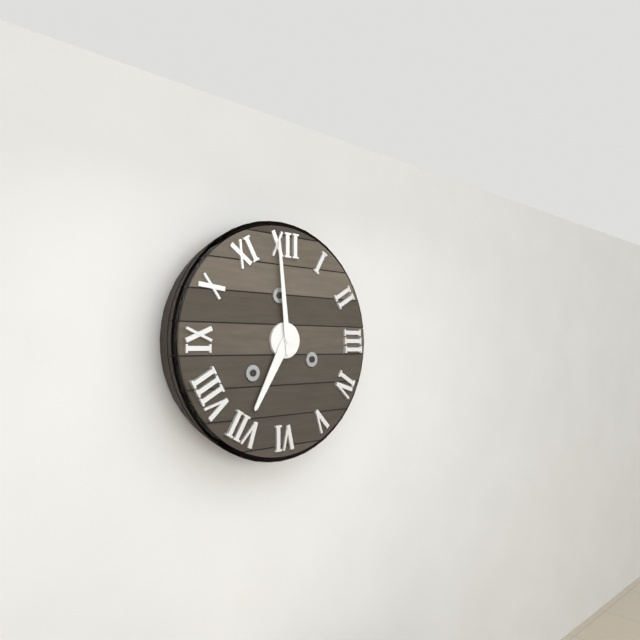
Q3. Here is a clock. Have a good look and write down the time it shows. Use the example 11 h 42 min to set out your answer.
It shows 6 h 59 min
